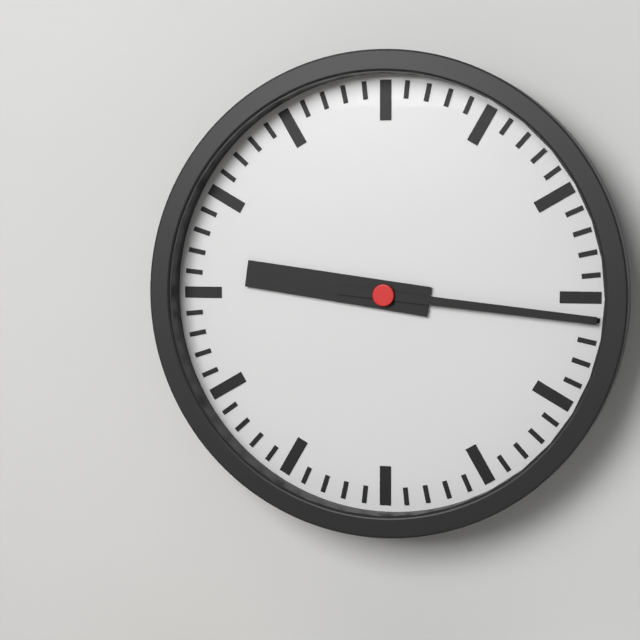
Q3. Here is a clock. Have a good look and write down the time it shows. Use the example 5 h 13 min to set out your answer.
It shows 9 h 16 min
